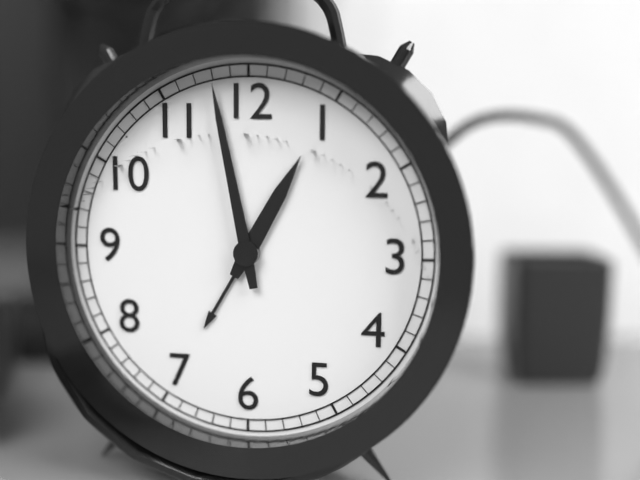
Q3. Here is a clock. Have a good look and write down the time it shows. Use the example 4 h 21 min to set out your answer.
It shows 12 h 58 min
